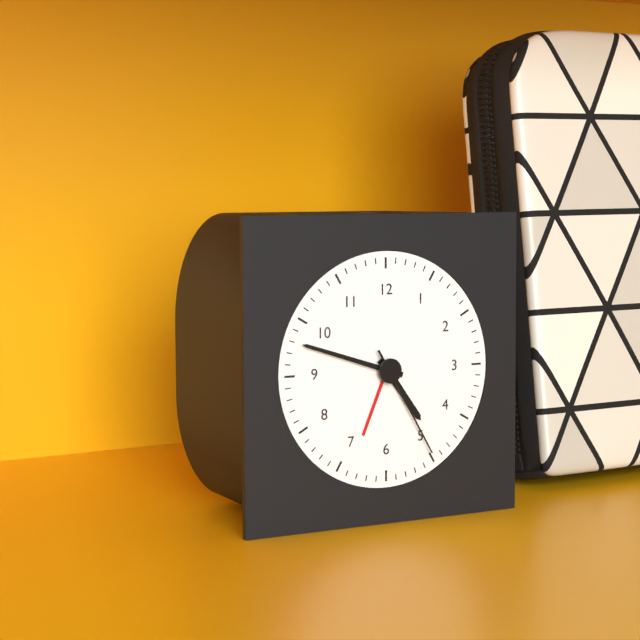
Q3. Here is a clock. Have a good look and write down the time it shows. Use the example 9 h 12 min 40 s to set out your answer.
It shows 4 h 48 min 25 s
